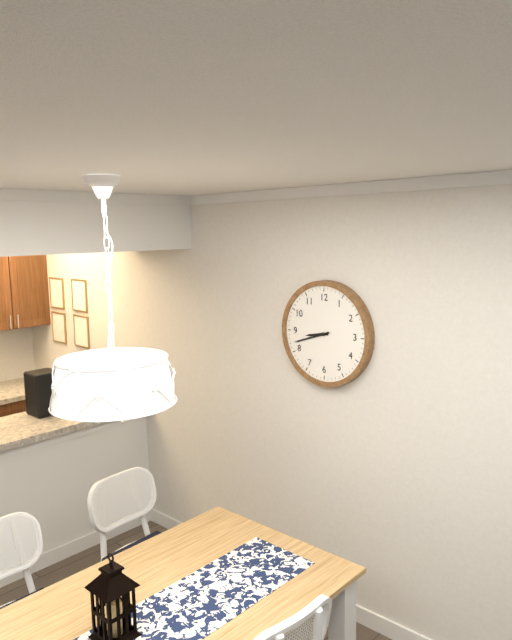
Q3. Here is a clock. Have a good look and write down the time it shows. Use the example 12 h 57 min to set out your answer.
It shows 8 h 42 min
